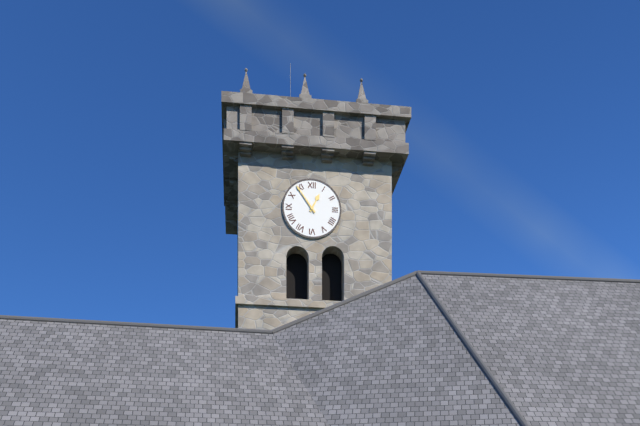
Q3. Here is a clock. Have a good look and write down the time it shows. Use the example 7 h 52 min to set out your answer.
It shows 12 h 54 min
